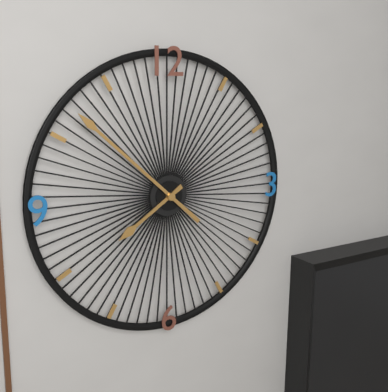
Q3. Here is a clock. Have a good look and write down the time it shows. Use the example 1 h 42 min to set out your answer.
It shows 7 h 52 min
